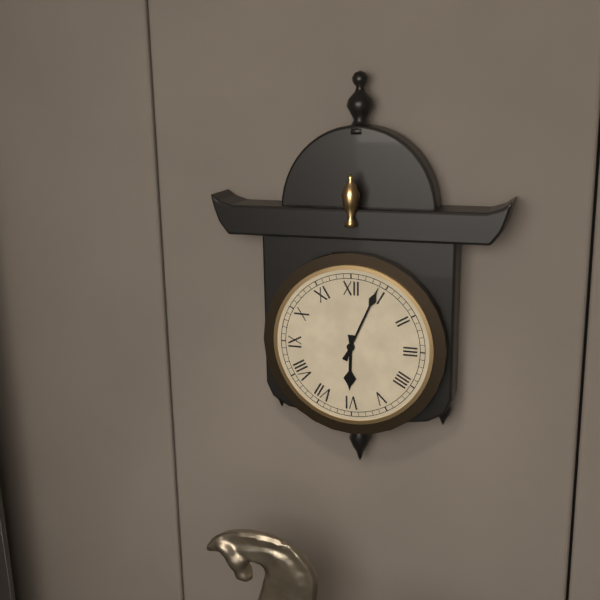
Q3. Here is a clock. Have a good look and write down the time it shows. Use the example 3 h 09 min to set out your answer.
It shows 6 h 04 min
